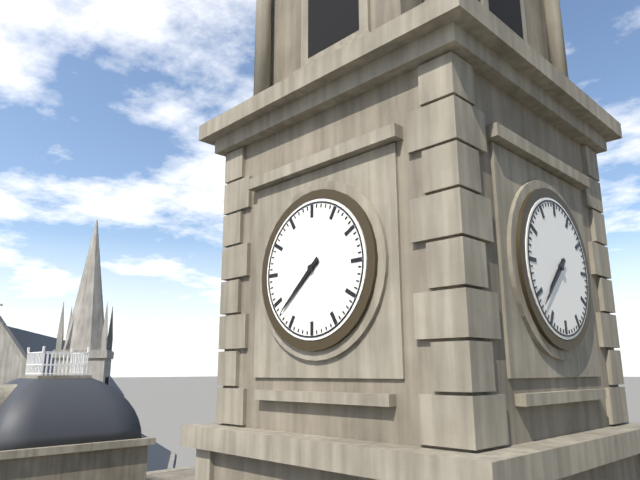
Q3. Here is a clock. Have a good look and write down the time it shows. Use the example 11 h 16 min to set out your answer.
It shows 7 h 38 min
